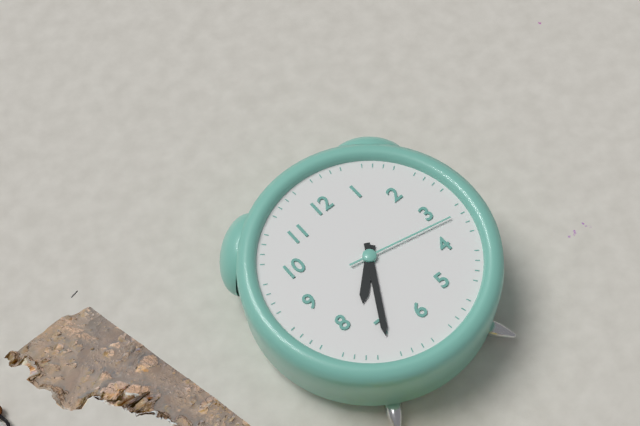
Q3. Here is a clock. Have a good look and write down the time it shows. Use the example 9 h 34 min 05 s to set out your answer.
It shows 7 h 35 min 17 s
